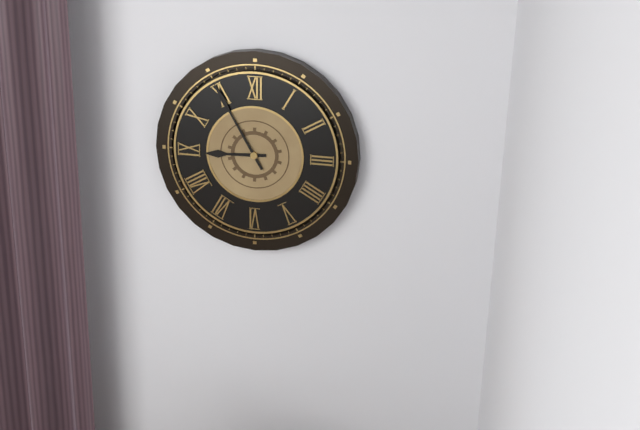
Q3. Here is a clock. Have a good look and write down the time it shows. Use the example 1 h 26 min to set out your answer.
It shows 8 h 55 min
